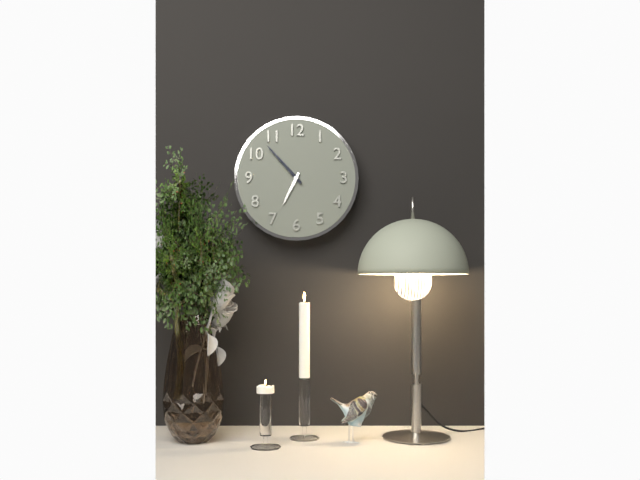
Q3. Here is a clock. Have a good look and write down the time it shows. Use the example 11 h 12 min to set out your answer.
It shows 6 h 53 min
